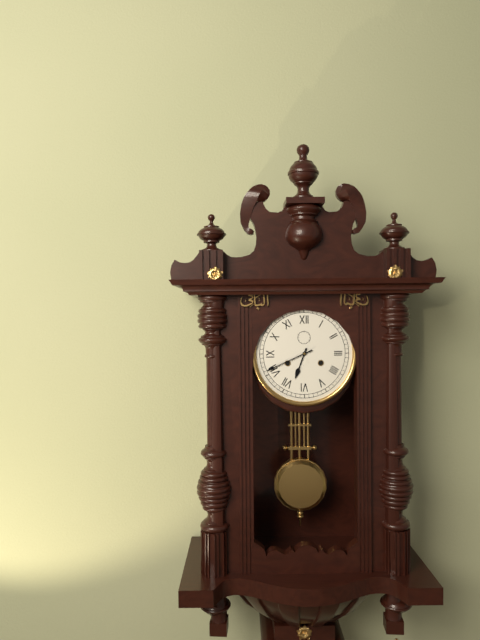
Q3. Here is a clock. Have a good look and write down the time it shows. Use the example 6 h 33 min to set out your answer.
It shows 6 h 41 min
